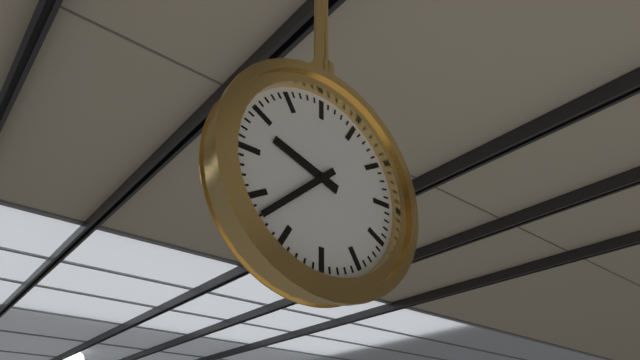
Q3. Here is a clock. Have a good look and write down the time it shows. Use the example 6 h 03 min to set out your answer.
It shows 9 h 38 min
